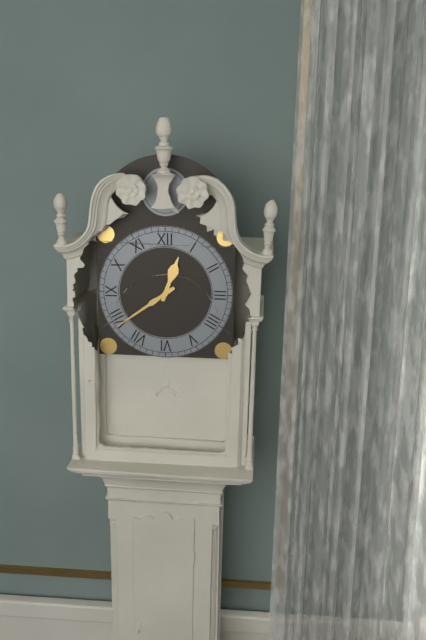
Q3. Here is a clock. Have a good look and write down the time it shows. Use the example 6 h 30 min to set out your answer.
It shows 12 h 39 min
